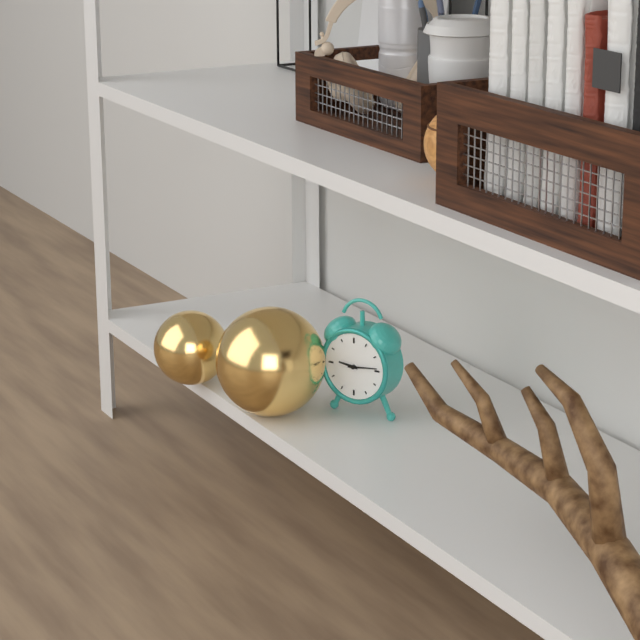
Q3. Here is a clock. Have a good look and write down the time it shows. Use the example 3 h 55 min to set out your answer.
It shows 9 h 14 min
